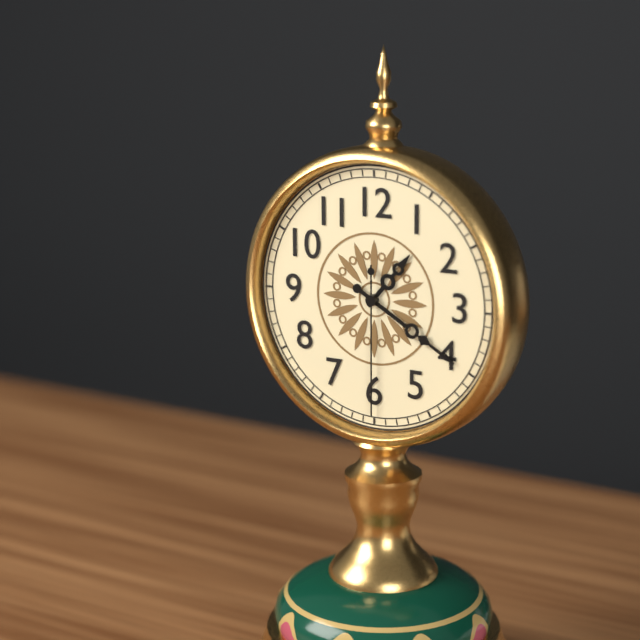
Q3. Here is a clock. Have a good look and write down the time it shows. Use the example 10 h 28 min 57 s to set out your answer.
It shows 1 h 20 min 30 s
